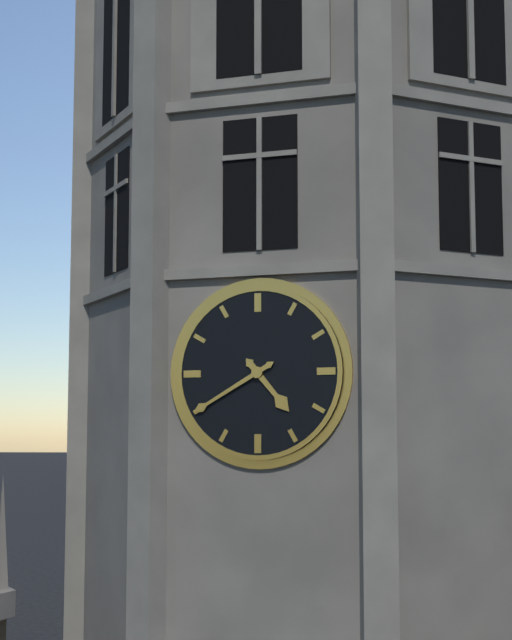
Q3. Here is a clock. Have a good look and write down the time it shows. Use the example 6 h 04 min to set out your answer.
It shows 4 h 40 min
